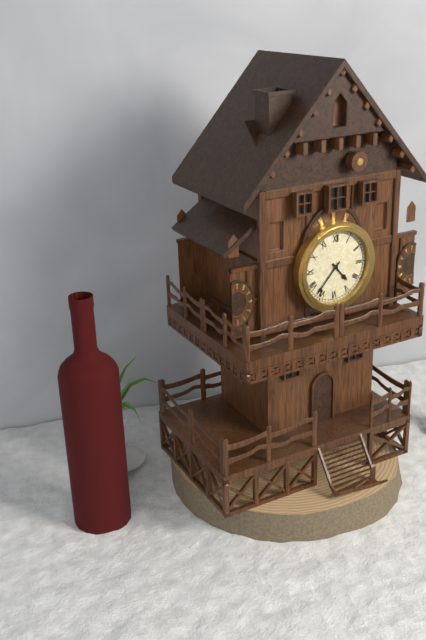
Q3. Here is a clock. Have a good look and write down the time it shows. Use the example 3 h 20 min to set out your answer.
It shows 4 h 37 min
